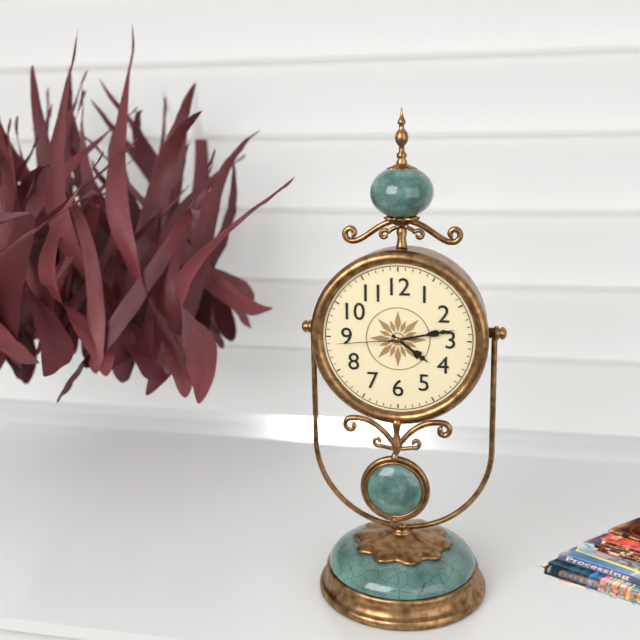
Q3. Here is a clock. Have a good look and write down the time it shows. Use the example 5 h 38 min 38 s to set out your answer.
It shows 4 h 13 min 44 s
